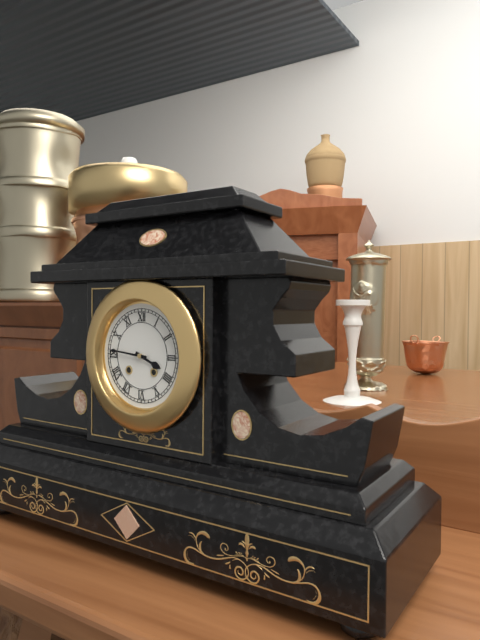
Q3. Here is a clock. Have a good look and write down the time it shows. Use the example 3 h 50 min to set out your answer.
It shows 3 h 46 min
